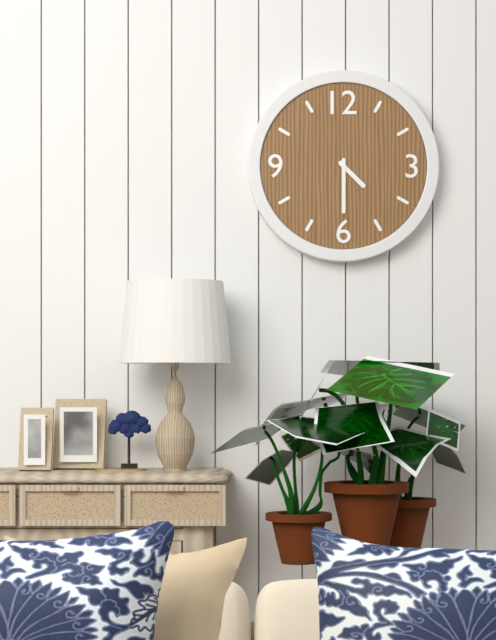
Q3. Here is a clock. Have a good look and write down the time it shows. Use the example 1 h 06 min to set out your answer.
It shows 4 h 30 min
